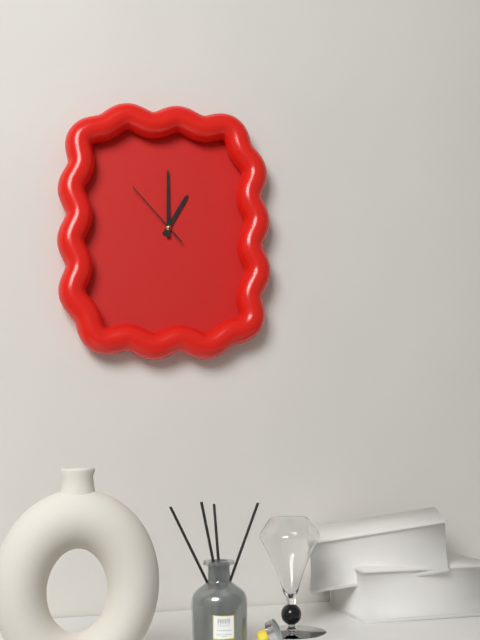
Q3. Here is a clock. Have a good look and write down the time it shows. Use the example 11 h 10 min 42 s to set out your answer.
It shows 1 h 00 min 53 s
